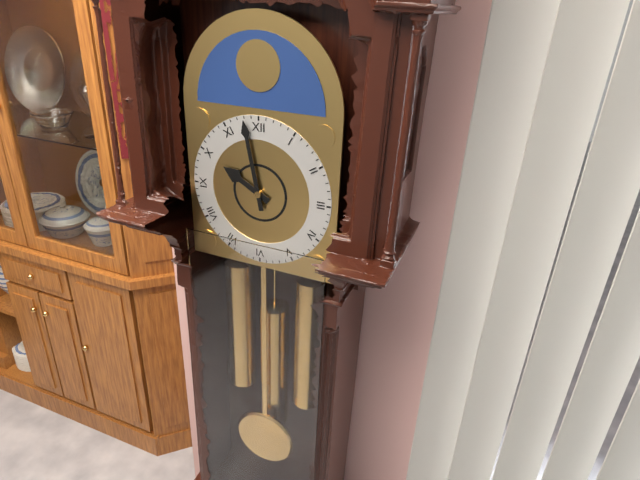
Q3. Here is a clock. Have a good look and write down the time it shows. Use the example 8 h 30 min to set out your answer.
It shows 9 h 58 min
